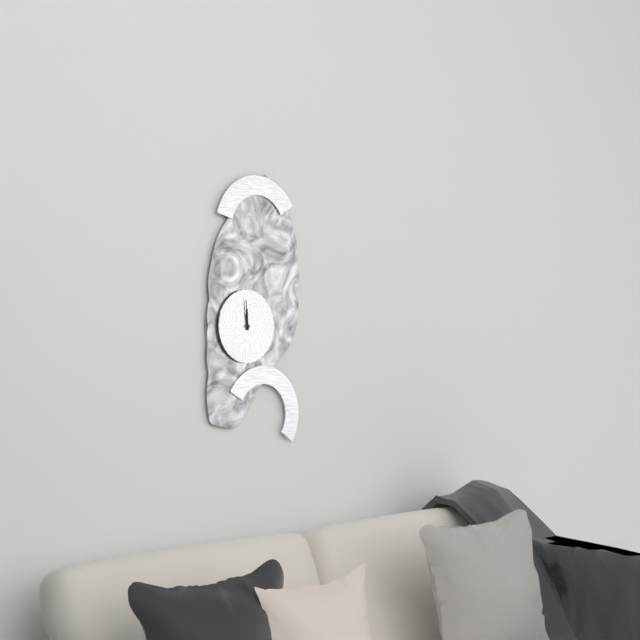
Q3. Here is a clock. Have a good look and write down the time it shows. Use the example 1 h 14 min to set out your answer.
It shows 11 h 59 min
